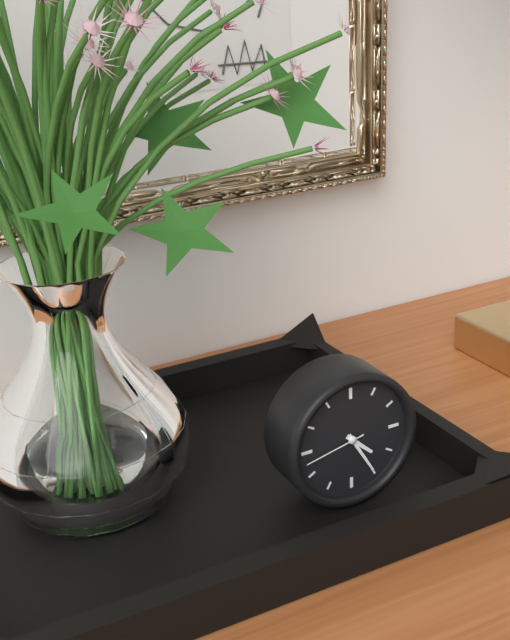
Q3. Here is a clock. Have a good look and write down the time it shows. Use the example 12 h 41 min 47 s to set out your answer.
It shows 4 h 25 min 43 s
